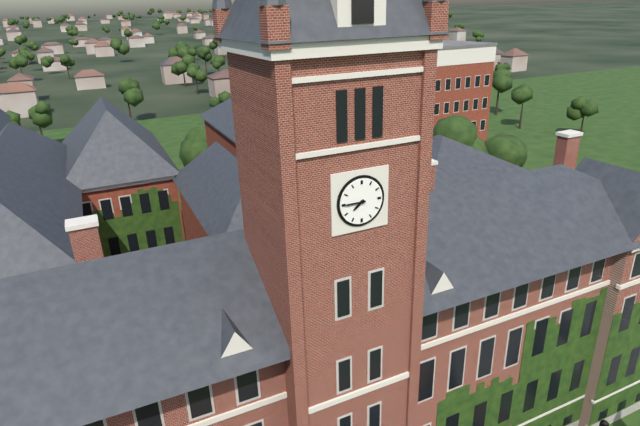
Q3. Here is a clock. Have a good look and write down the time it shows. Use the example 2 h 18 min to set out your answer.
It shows 7 h 45 min
